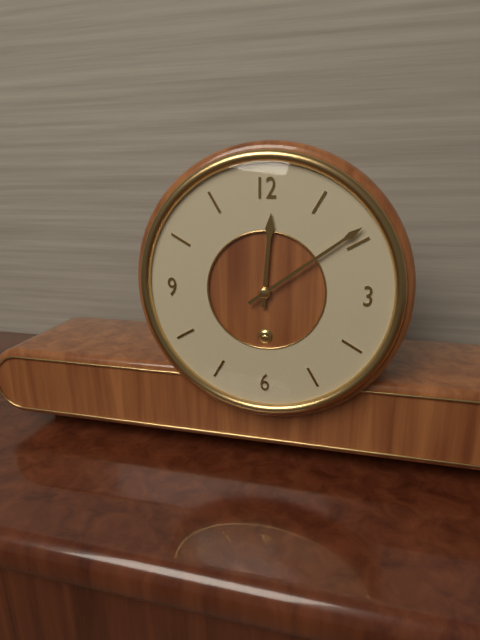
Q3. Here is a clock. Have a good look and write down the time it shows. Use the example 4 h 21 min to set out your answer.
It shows 12 h 09 min
